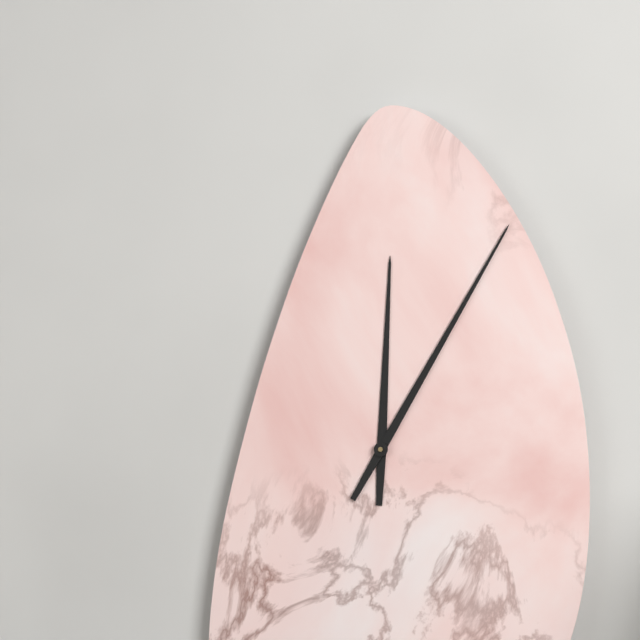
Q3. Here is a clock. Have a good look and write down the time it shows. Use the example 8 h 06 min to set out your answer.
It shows 12 h 05 min
